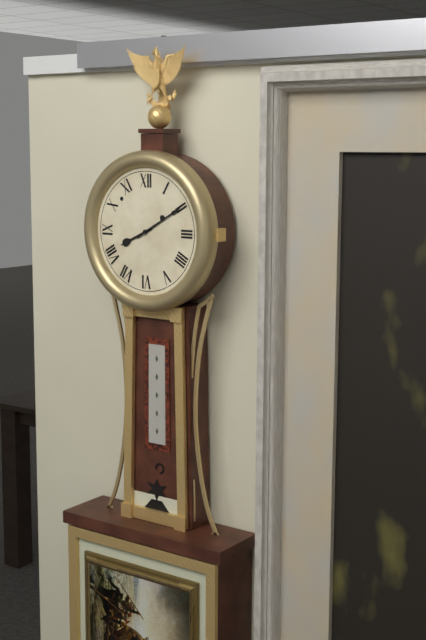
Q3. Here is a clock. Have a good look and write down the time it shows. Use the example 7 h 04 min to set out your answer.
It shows 8 h 10 min
